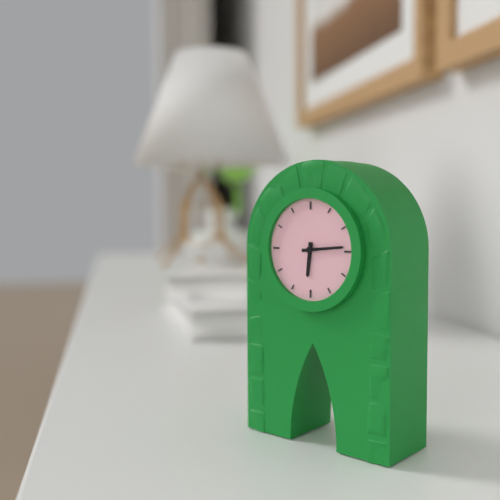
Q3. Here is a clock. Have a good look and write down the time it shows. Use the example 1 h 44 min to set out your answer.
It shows 6 h 14 min
